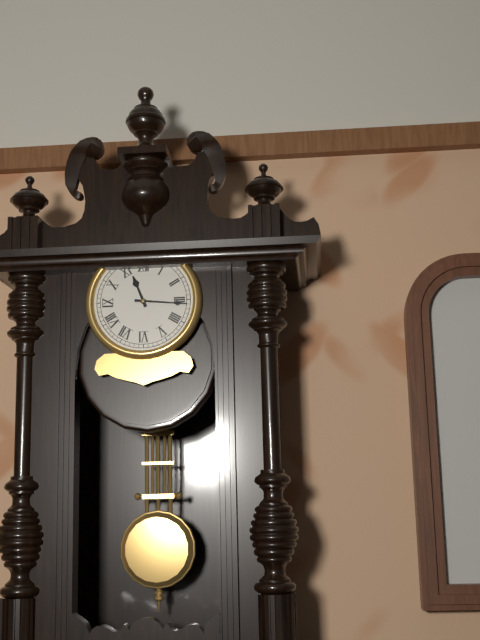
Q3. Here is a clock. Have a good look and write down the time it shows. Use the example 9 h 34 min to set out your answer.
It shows 11 h 16 min
